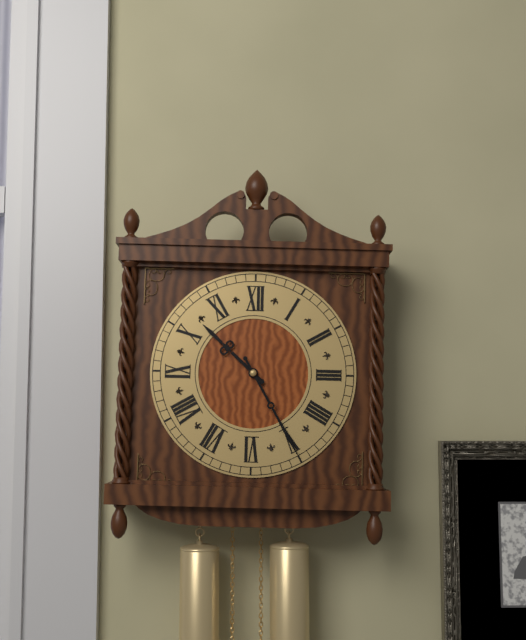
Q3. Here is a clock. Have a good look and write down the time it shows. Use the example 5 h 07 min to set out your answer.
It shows 10 h 25 min
